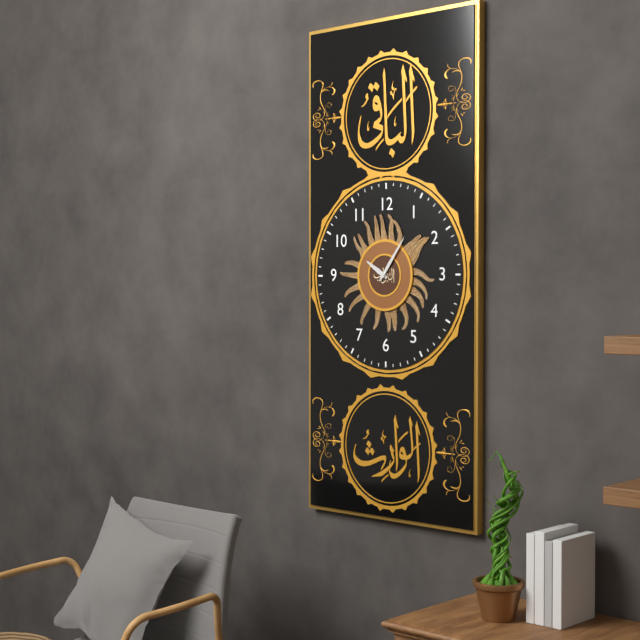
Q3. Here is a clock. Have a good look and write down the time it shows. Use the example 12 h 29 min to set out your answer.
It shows 10 h 06 min
